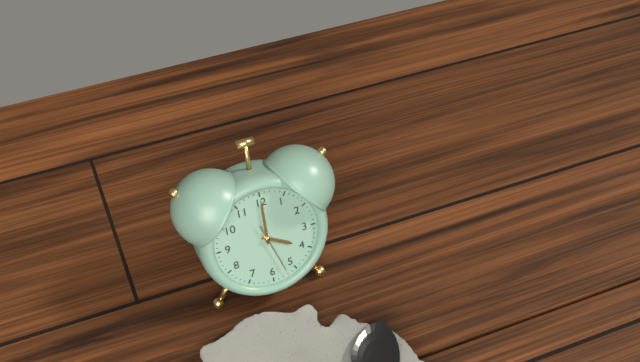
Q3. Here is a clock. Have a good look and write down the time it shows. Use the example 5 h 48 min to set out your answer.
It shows 4 h 00 min
